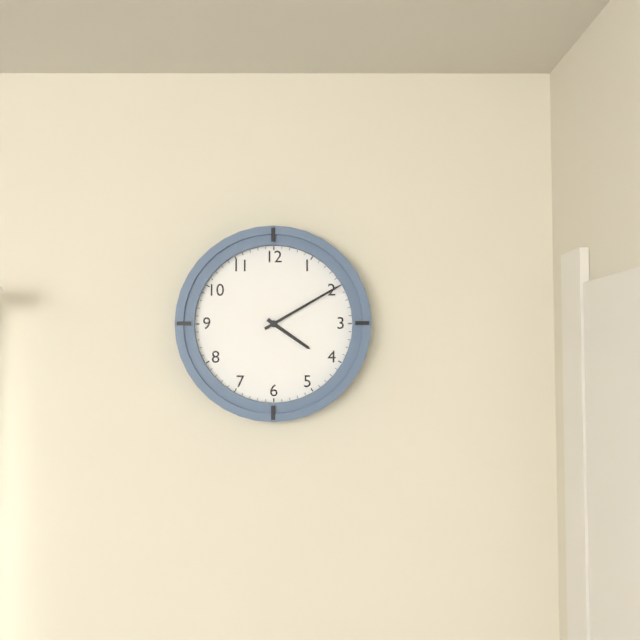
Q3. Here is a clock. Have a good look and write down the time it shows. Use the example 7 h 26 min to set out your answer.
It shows 4 h 10 min
